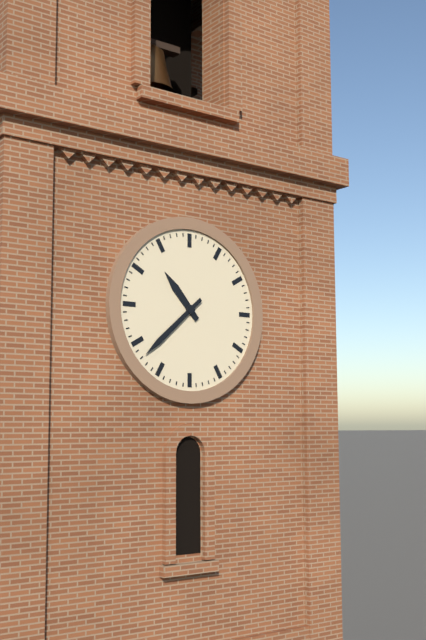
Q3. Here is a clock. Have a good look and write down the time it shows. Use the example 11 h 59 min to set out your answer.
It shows 10 h 38 min
